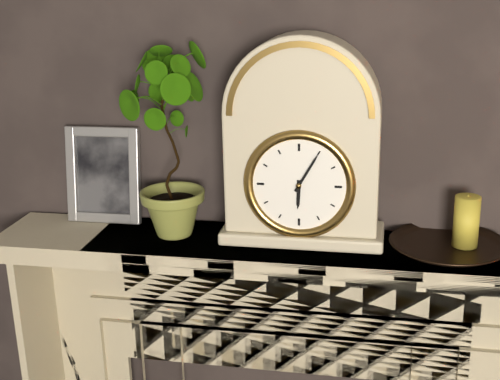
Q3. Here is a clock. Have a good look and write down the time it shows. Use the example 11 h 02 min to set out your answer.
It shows 6 h 05 min
